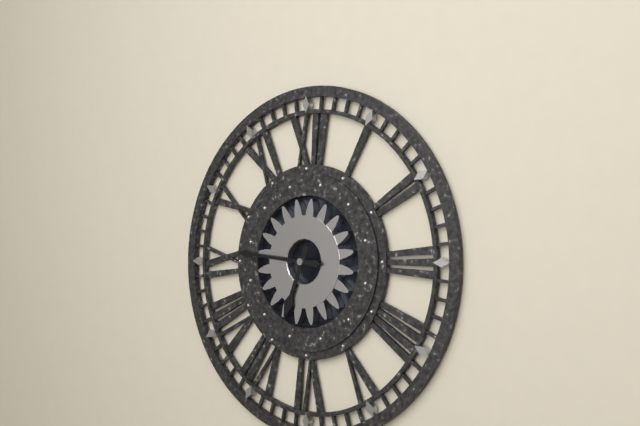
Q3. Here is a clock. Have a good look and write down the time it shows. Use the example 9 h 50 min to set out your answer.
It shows 6 h 46 min
